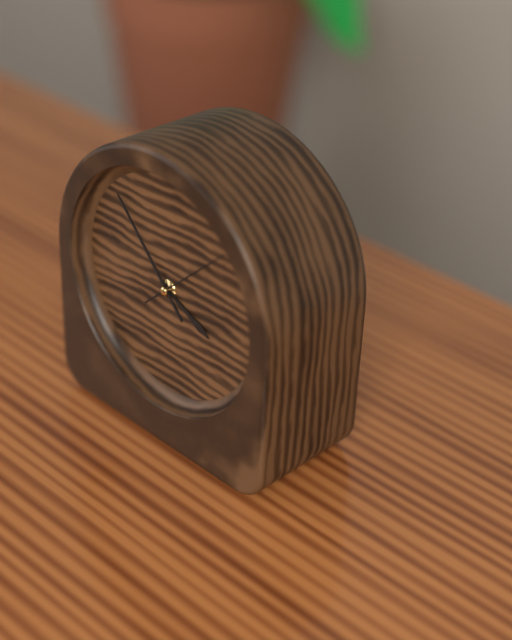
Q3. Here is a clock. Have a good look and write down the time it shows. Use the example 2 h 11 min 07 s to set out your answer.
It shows 3 h 53 min 08 s
